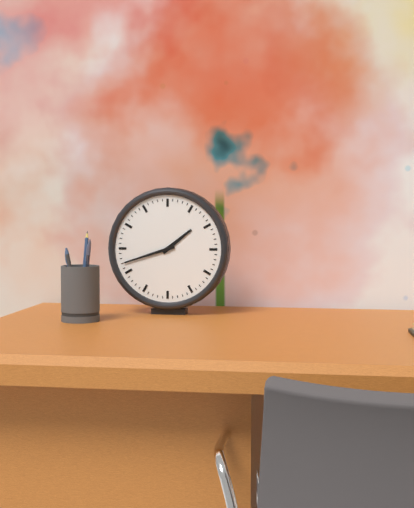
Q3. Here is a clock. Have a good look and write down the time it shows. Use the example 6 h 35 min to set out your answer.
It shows 1 h 42 min
